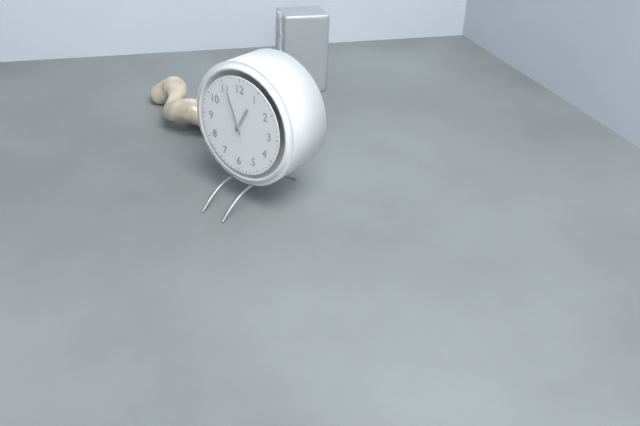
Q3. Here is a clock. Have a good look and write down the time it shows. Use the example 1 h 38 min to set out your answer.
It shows 12 h 56 min
